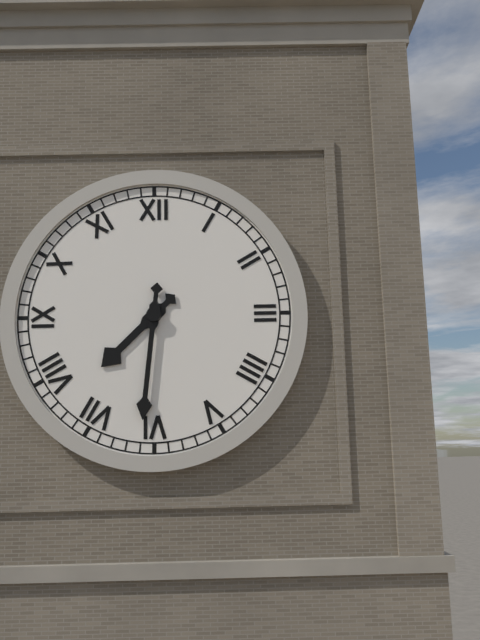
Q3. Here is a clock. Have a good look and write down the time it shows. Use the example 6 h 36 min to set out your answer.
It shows 7 h 31 min
